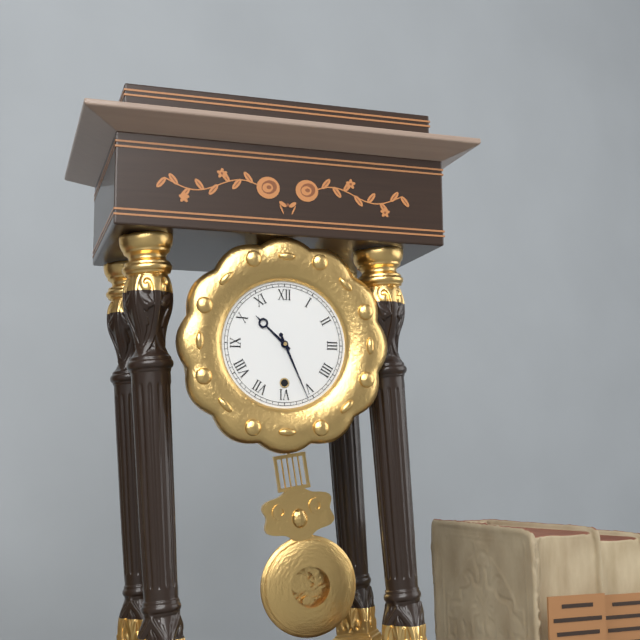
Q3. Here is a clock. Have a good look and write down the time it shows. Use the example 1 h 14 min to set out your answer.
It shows 10 h 26 min
